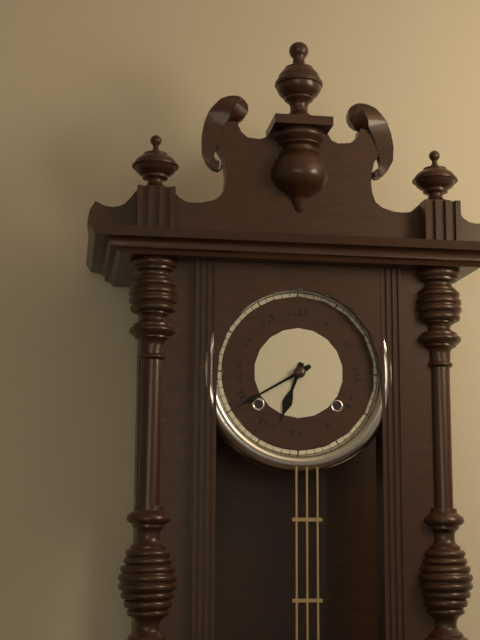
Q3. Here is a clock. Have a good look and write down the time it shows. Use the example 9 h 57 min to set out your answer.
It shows 6 h 40 min
